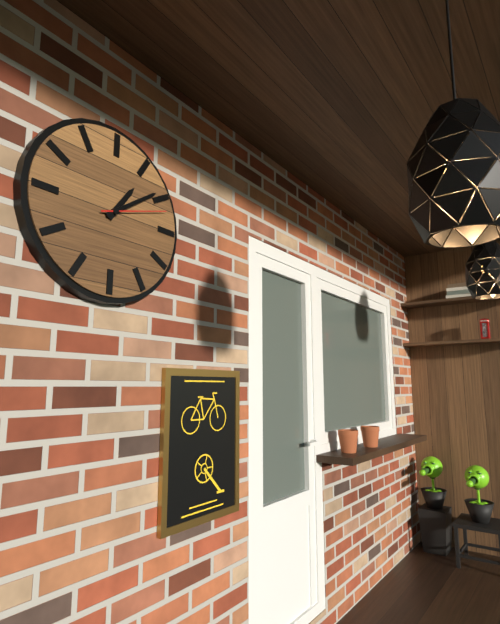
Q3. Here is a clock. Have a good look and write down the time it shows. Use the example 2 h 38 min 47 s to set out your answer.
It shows 1 h 09 min 12 s
